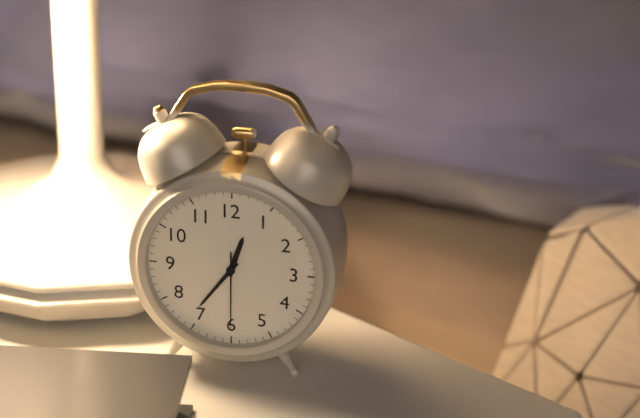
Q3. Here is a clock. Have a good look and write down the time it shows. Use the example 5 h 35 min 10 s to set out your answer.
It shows 12 h 36 min 30 s
